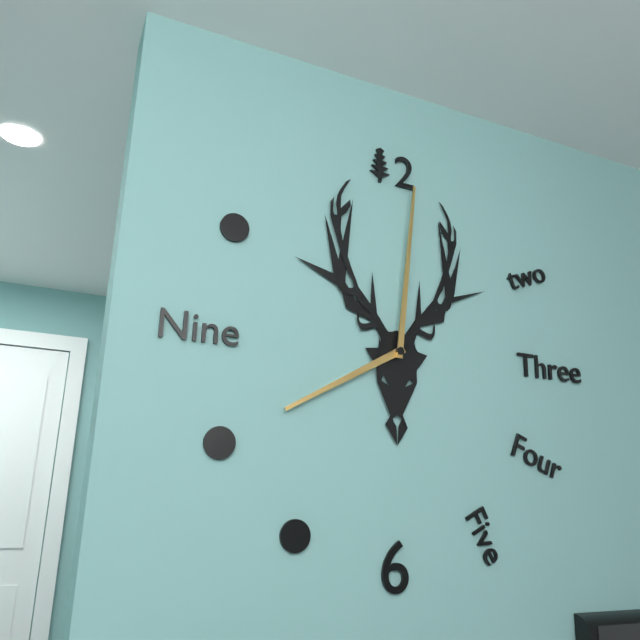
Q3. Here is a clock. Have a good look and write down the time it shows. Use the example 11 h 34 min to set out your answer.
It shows 8 h 01 min
